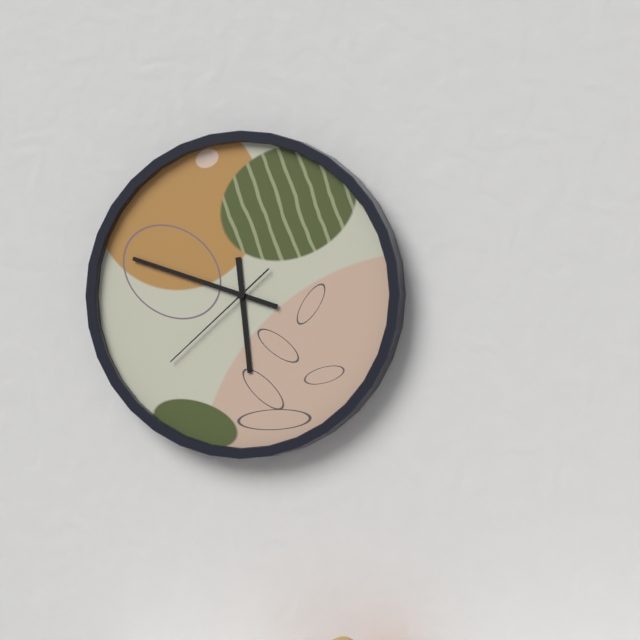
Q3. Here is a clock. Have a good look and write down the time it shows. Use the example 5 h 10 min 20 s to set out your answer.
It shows 5 h 48 min 38 s
